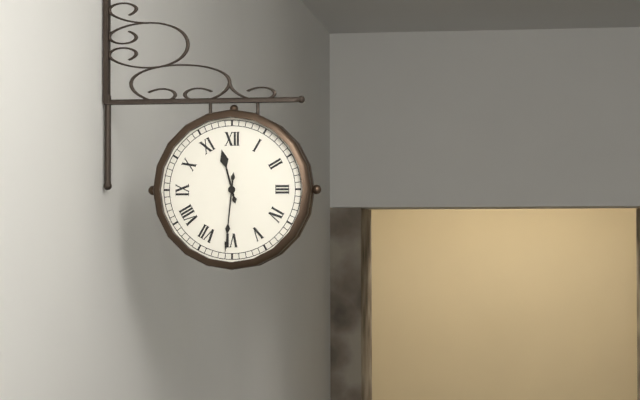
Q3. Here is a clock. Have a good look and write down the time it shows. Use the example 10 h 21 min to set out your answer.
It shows 11 h 31 min
